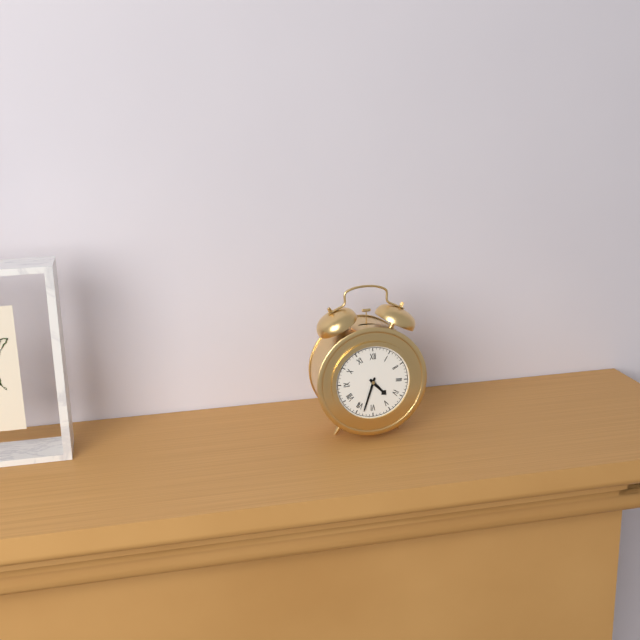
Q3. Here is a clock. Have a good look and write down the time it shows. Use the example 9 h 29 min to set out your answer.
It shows 4 h 33 min
